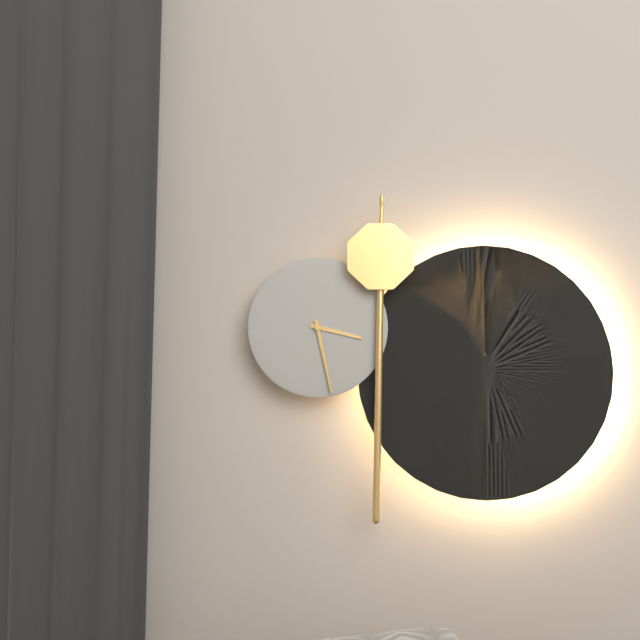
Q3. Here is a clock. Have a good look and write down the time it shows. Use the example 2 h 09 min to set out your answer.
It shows 3 h 28 min
